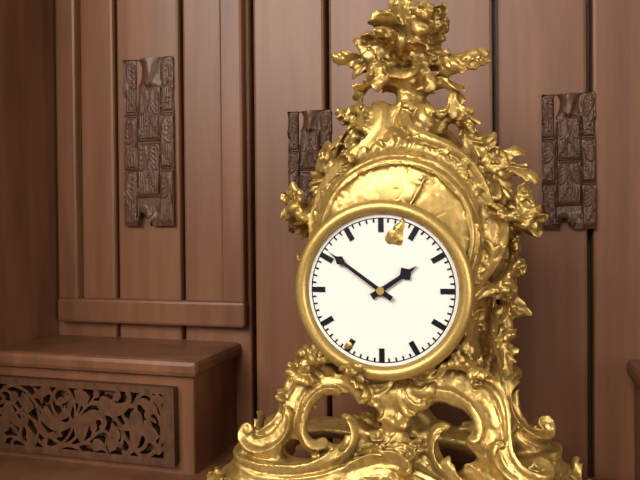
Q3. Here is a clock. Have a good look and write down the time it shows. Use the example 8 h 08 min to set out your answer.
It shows 1 h 51 min
